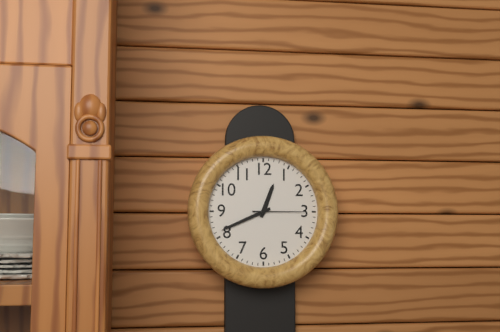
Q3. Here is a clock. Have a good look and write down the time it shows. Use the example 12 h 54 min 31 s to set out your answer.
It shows 12 h 41 min 15 s
